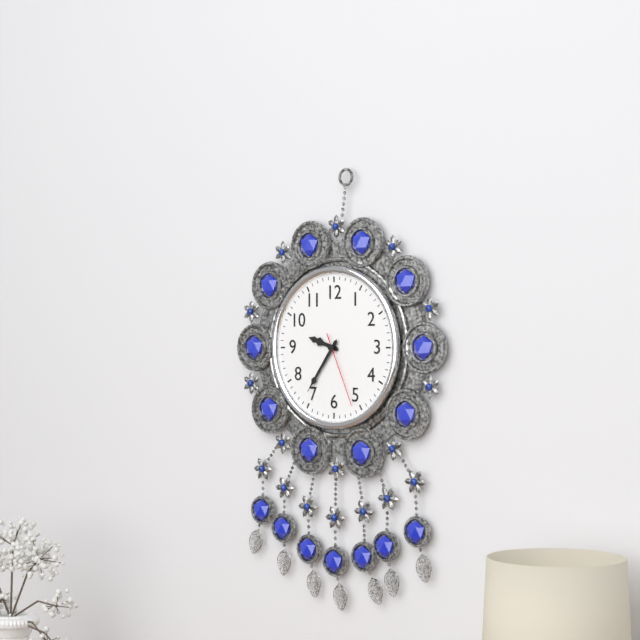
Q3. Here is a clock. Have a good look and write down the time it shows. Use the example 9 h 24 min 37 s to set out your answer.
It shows 9 h 36 min 26 s
